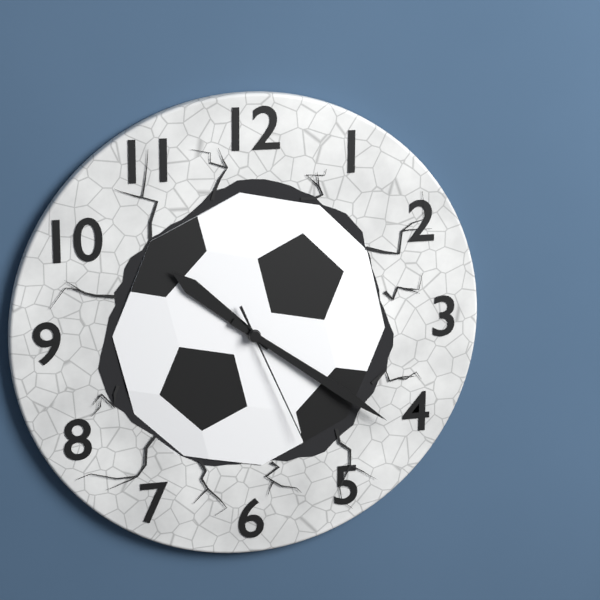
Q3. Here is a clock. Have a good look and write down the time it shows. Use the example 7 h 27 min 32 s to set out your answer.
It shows 10 h 21 min 26 s
